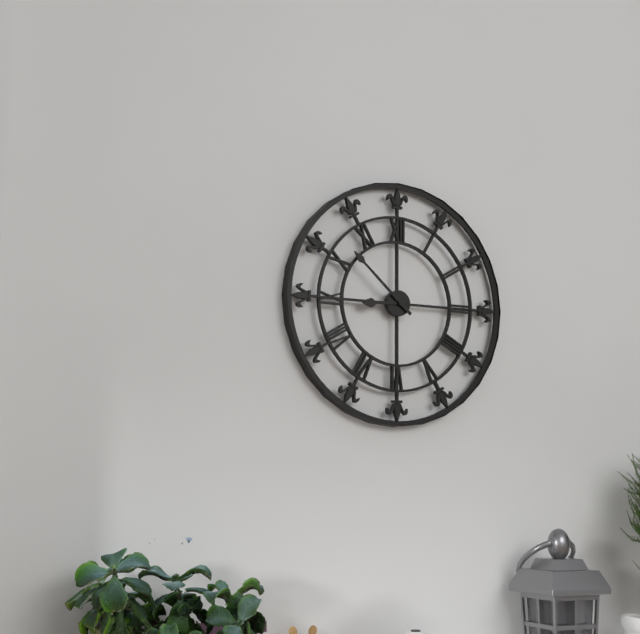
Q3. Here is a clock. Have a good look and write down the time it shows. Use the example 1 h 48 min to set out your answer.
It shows 8 h 52 min
